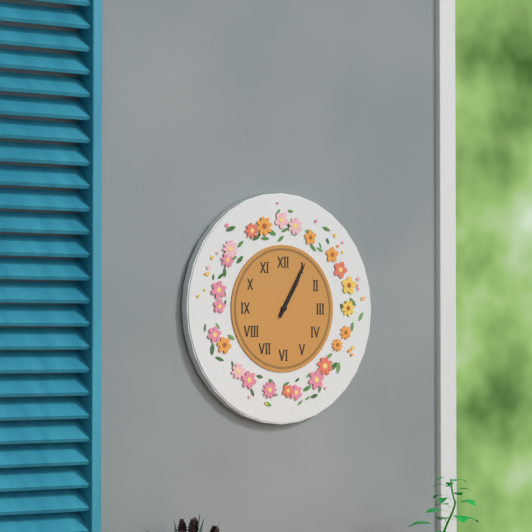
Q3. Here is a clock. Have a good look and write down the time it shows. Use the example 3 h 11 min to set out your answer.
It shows 1 h 05 min
